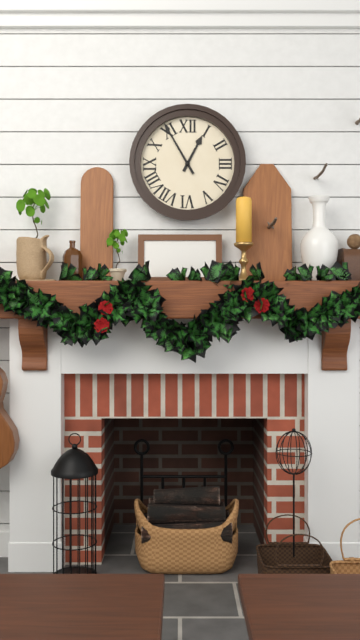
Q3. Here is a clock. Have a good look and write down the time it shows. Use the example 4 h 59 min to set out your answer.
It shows 12 h 55 min
